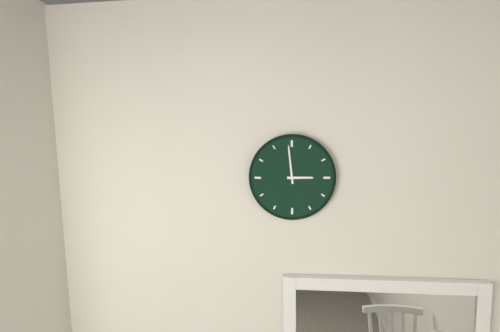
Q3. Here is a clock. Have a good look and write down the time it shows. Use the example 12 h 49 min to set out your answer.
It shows 2 h 59 min
